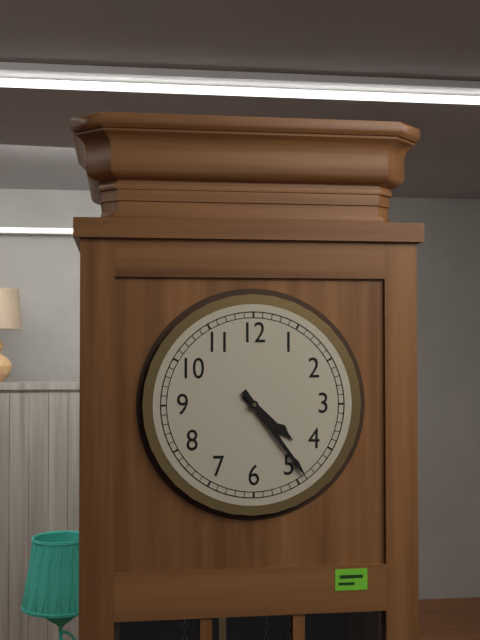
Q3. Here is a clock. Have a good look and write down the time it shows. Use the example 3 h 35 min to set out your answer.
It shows 4 h 24 min
